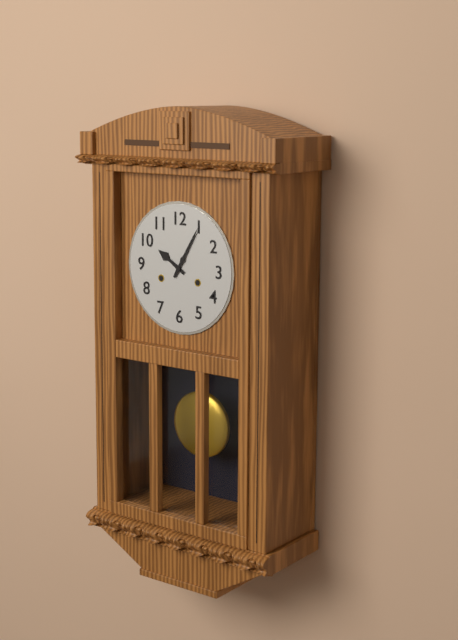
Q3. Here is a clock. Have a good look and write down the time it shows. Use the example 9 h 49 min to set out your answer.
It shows 10 h 05 min
